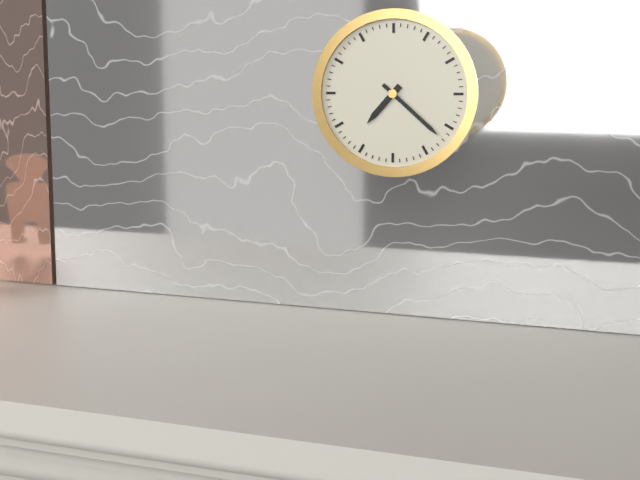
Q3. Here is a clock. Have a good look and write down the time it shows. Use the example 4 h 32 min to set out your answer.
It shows 7 h 22 min
